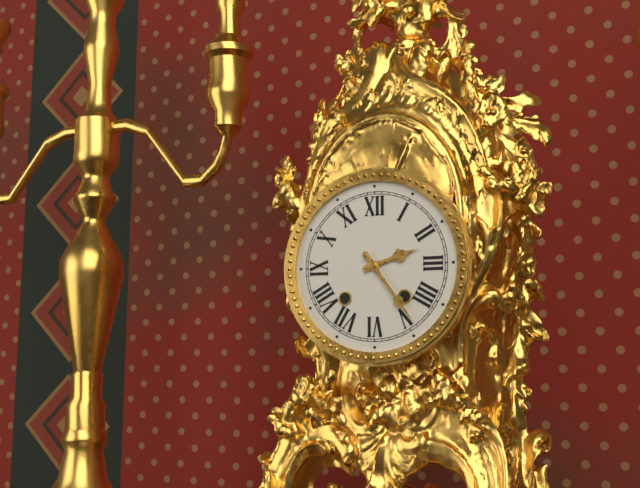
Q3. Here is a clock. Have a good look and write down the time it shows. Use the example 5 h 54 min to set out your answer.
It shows 2 h 24 min
